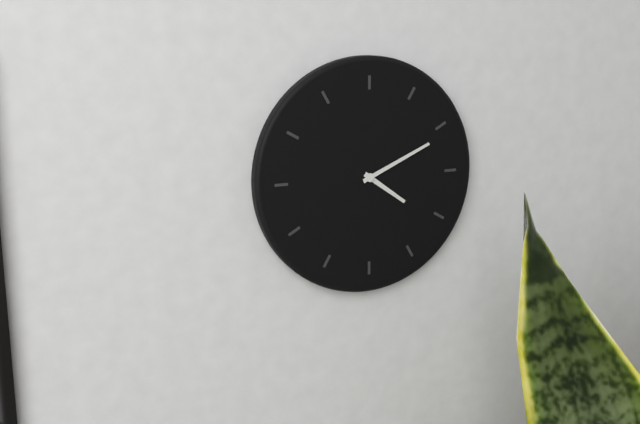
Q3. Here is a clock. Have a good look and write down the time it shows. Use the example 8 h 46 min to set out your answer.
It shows 4 h 11 min
